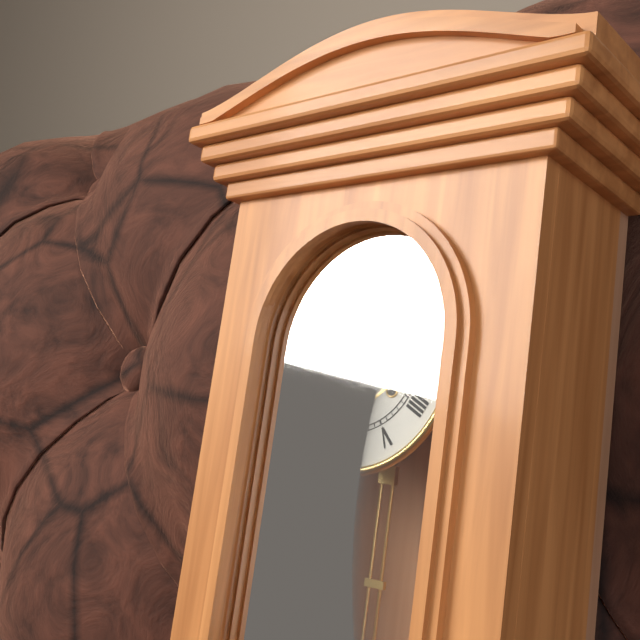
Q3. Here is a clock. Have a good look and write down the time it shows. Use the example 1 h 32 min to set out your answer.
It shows 6 h 53 min
